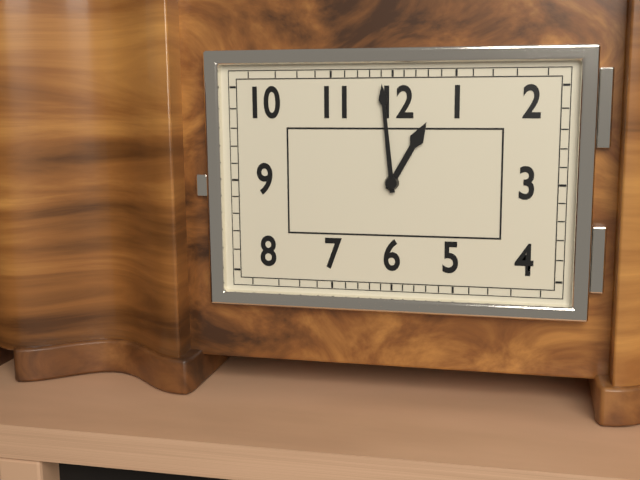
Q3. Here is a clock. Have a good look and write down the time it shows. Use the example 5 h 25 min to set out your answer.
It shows 12 h 59 min
